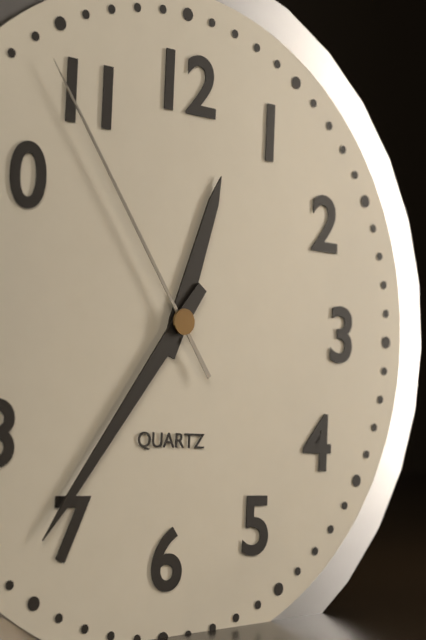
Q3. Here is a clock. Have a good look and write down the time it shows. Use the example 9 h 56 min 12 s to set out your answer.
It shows 12 h 36 min 54 s
